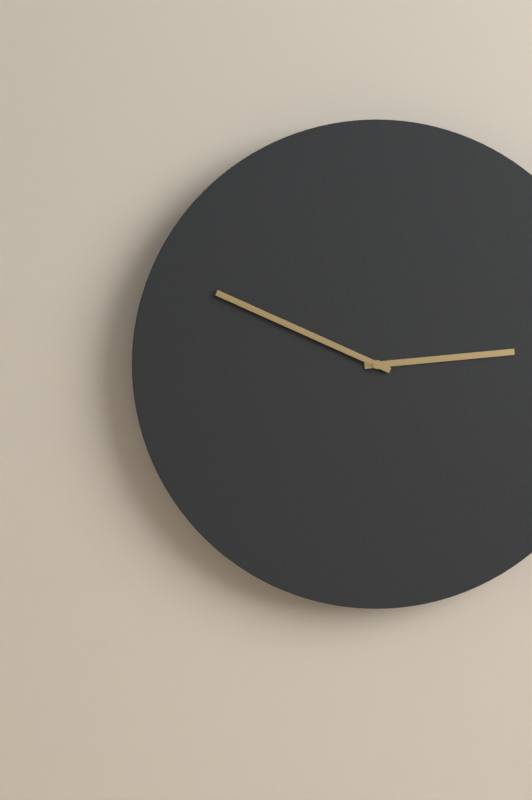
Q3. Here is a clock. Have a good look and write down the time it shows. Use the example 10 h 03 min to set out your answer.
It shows 2 h 49 min
